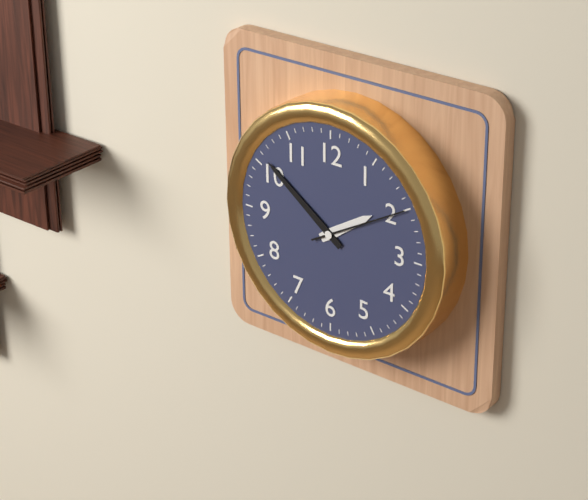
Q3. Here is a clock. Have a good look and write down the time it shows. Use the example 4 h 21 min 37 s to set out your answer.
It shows 1 h 51 min 10 s
